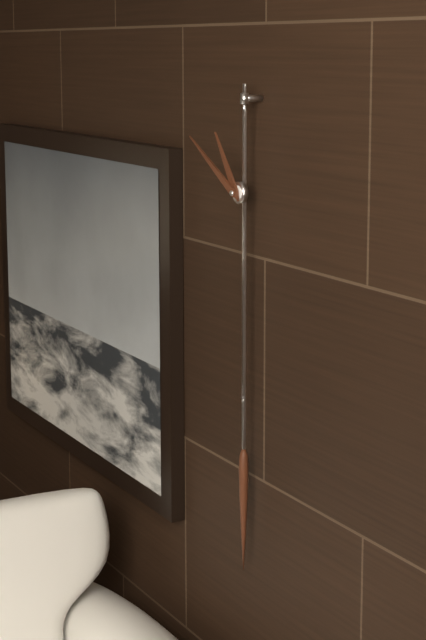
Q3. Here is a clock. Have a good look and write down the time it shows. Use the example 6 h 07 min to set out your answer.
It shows 10 h 50 min
